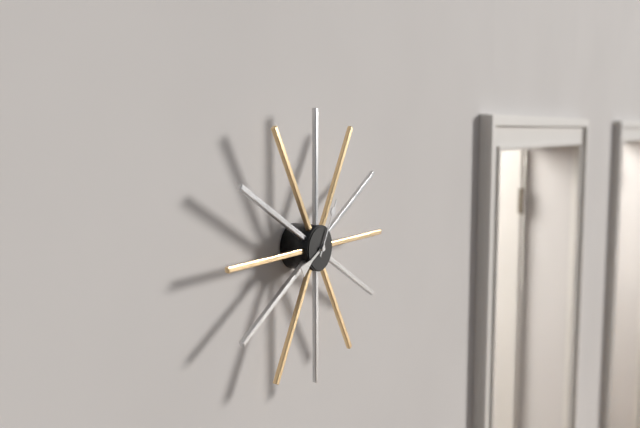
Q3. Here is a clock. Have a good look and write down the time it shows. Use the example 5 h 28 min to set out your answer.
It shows 8 h 05 min
